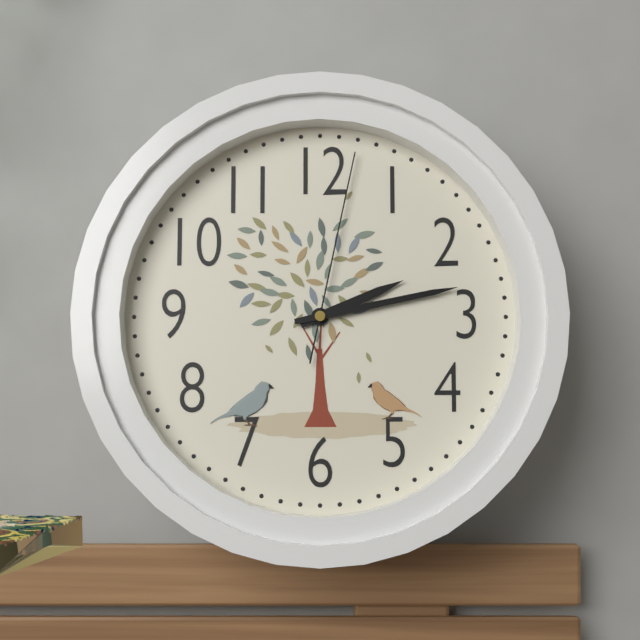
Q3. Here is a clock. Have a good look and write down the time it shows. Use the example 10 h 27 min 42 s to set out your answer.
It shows 2 h 13 min 02 s
